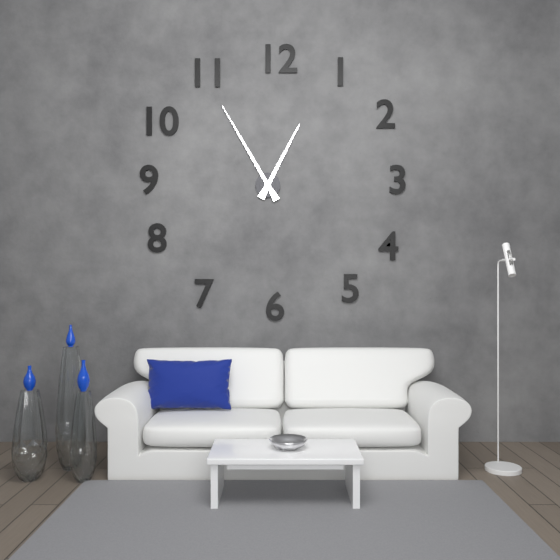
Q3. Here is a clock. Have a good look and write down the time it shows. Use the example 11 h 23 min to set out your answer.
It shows 12 h 55 min
